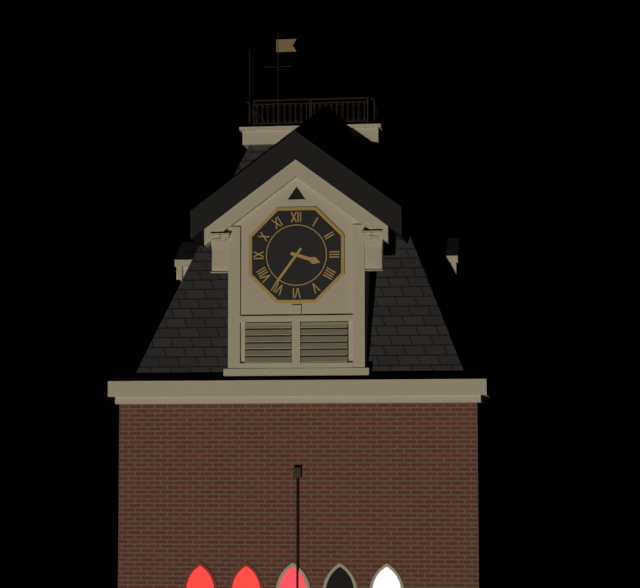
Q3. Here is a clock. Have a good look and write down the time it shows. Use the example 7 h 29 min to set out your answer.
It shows 3 h 36 min
